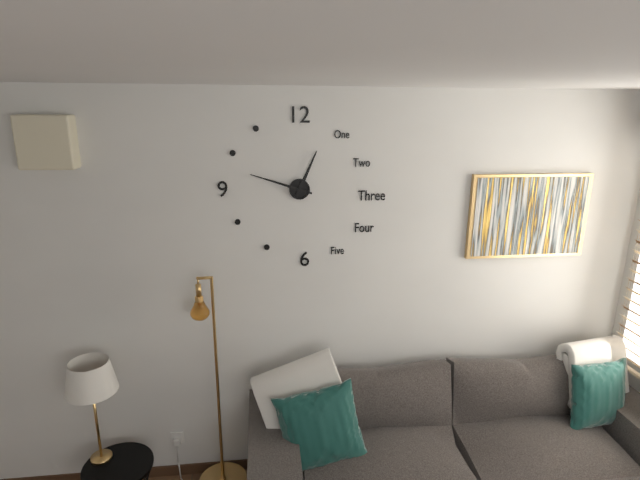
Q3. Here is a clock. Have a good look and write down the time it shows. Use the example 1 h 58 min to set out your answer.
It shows 12 h 48 min
